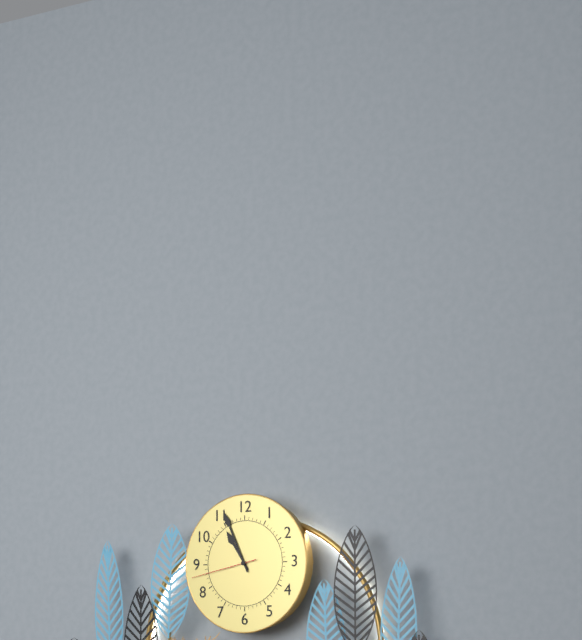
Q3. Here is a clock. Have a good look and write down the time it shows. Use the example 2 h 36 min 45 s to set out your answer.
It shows 10 h 56 min 43 s
